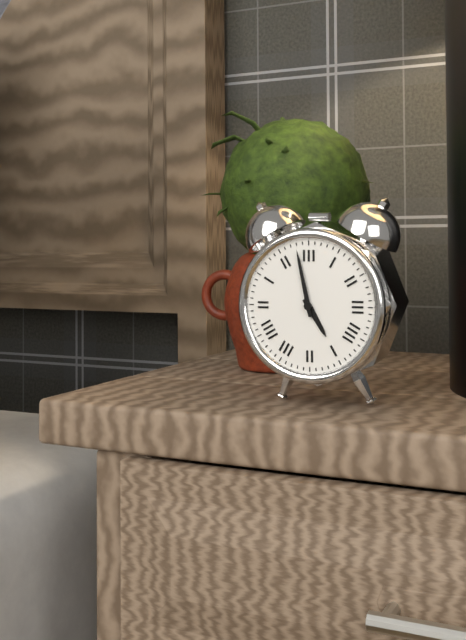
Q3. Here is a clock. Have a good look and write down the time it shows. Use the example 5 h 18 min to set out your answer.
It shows 4 h 58 min
